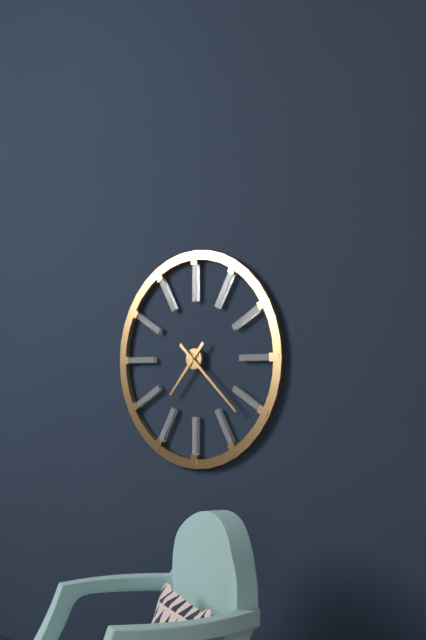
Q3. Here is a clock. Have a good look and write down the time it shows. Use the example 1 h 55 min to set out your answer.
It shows 7 h 22 min
